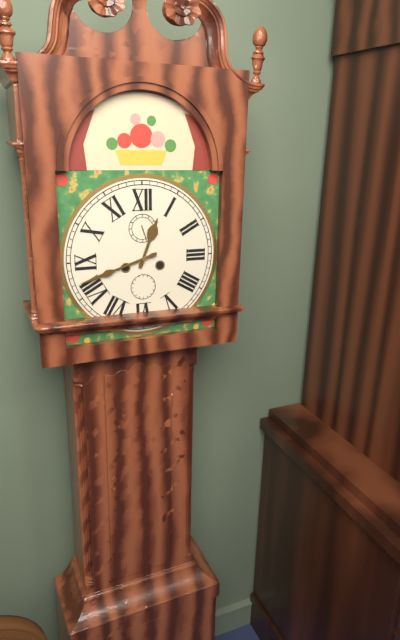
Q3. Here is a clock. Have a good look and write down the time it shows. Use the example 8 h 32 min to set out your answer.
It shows 12 h 42 min
